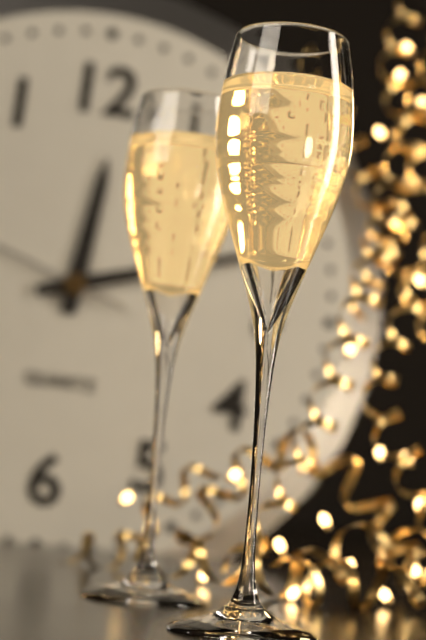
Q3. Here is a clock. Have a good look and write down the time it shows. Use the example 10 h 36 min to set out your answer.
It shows 12 h 12 min
